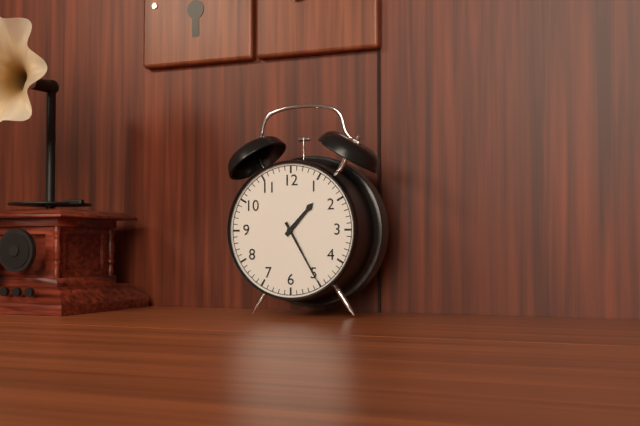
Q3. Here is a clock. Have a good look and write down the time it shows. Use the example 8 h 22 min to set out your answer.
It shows 1 h 25 min
